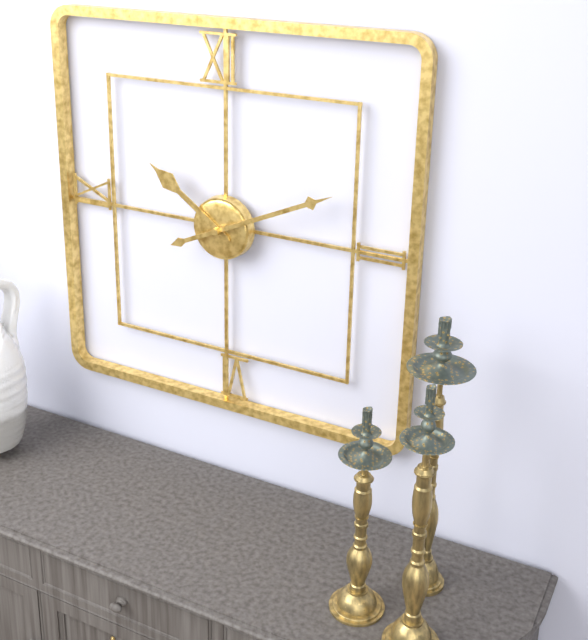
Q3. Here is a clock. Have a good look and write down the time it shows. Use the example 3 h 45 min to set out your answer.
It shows 10 h 11 min
